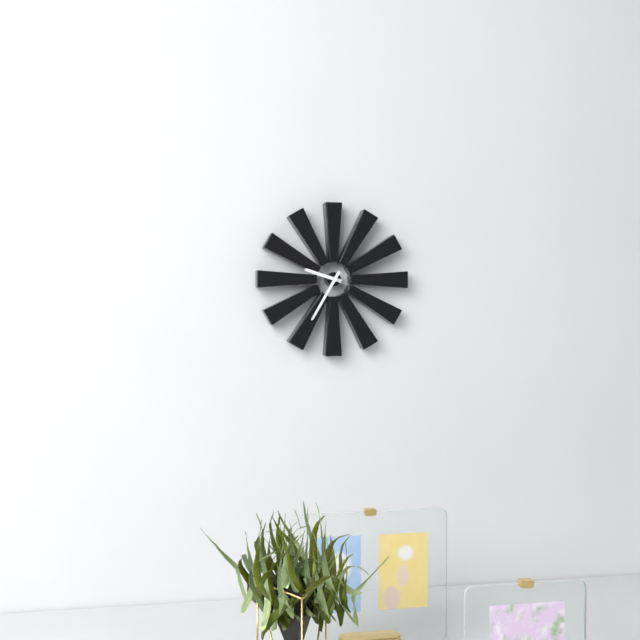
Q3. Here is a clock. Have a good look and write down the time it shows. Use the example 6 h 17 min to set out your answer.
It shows 9 h 35 min
